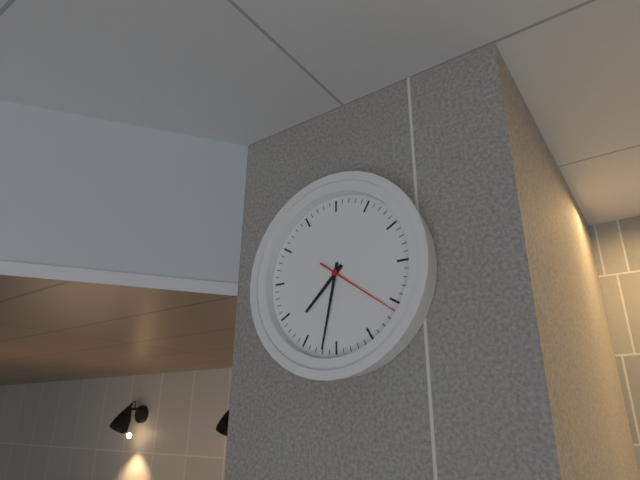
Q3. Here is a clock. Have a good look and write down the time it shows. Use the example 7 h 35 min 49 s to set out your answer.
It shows 7 h 32 min 21 s
